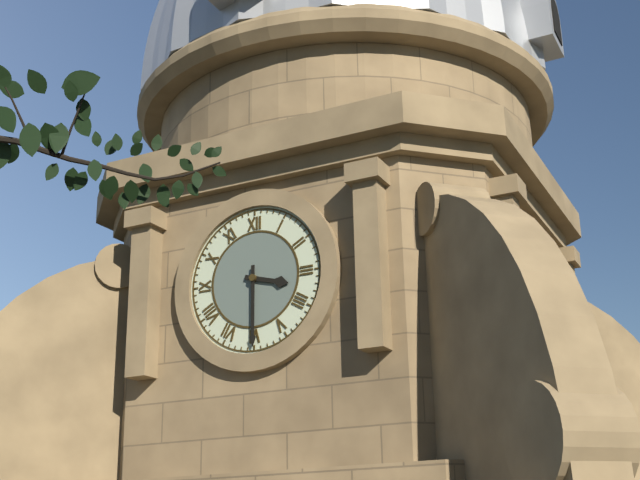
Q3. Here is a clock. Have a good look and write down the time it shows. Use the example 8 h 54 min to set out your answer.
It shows 3 h 30 min
